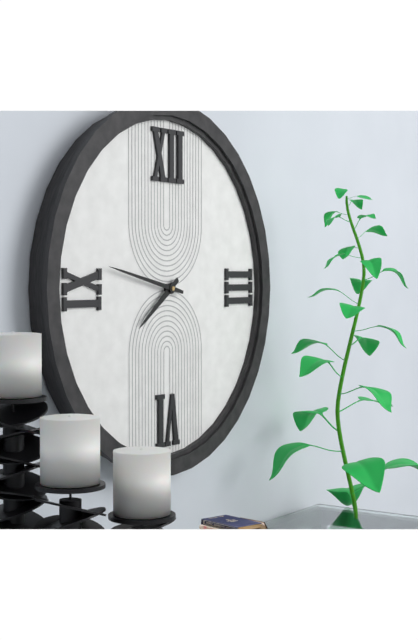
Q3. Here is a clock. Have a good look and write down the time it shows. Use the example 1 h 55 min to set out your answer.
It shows 7 h 47 min
